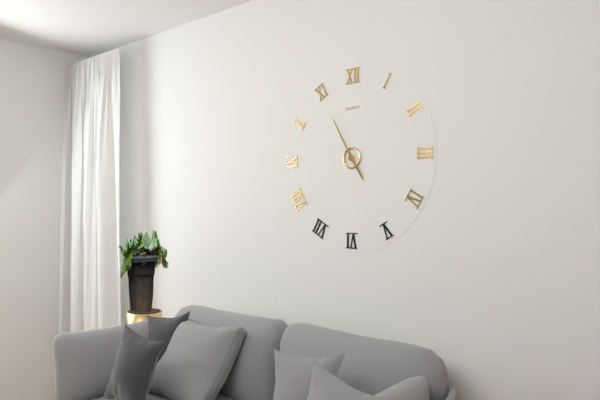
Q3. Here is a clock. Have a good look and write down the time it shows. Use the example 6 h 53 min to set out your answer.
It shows 4 h 55 min
